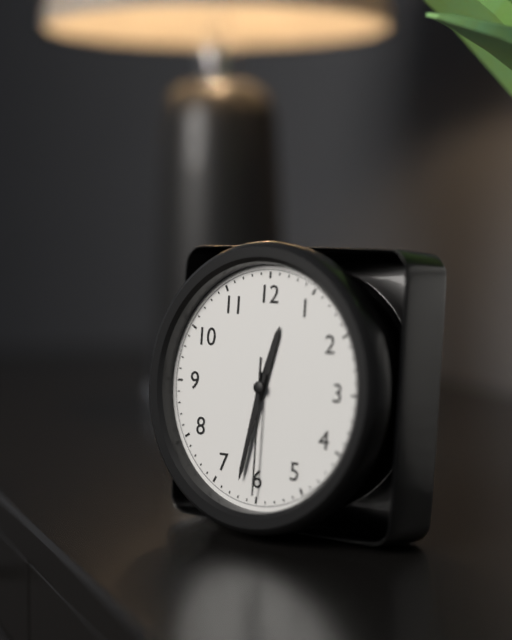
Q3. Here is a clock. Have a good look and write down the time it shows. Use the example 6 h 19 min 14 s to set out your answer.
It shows 12 h 32 min 30 s
